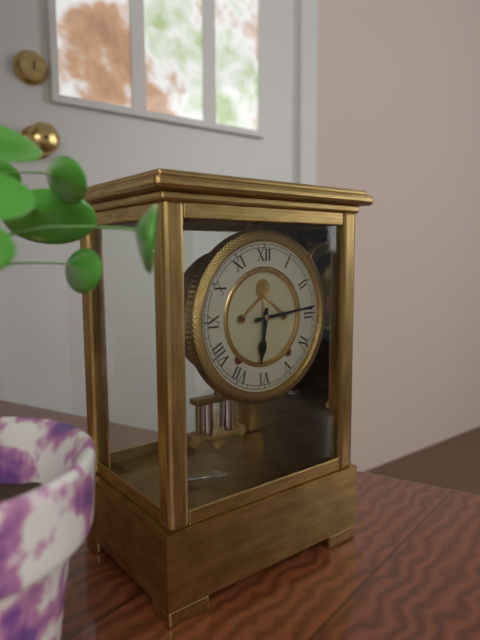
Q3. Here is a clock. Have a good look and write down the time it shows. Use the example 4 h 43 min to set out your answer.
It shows 6 h 14 min
